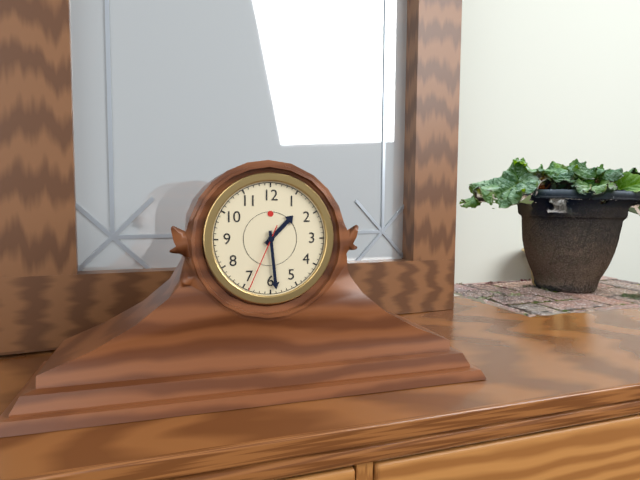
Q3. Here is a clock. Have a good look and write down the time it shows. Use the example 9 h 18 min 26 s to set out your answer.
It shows 1 h 29 min 34 s
